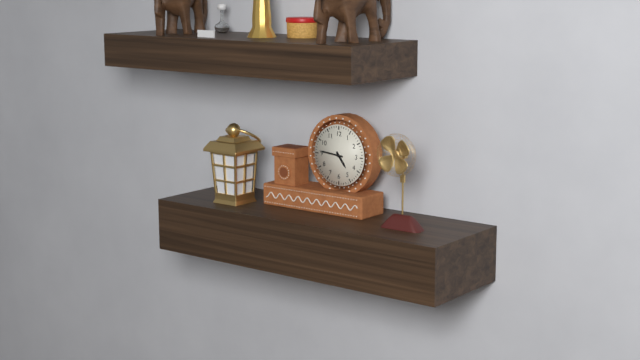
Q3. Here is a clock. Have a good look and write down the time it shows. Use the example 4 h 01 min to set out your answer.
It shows 4 h 46 min
